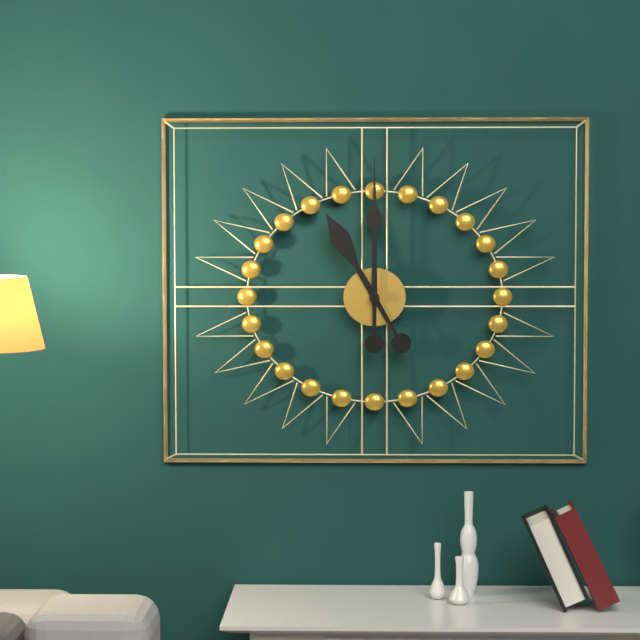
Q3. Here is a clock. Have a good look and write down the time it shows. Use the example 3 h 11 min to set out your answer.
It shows 11 h 00 min
